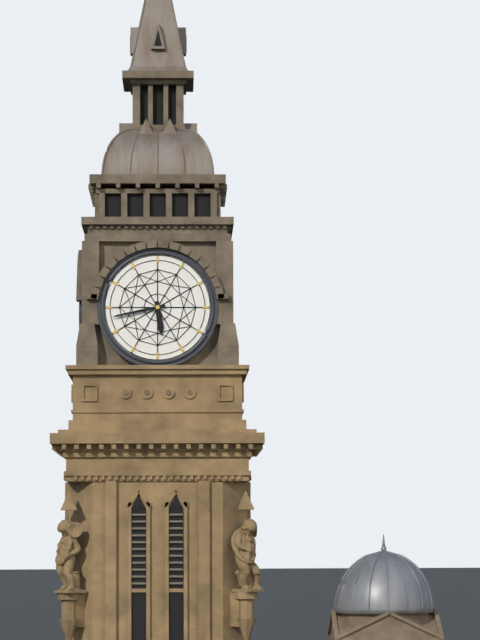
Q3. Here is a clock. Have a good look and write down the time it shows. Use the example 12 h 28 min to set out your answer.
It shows 5 h 43 min
